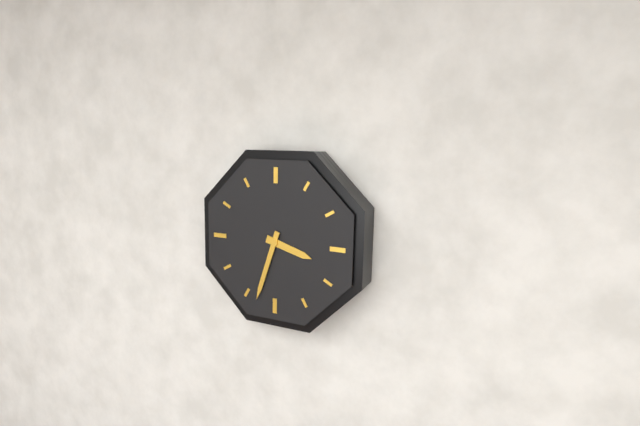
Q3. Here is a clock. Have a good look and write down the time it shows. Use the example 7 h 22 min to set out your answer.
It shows 3 h 33 min
